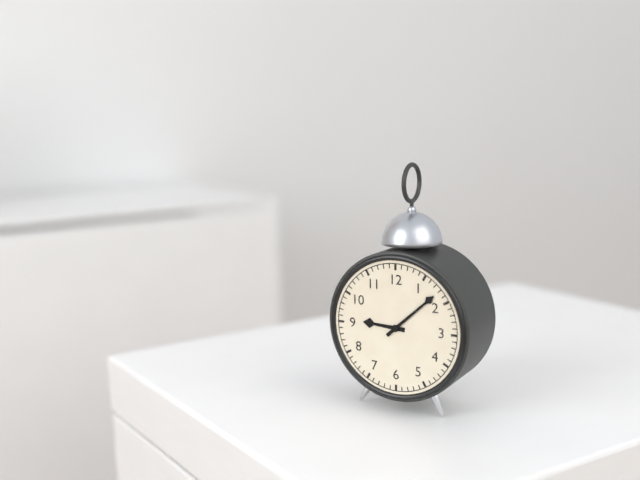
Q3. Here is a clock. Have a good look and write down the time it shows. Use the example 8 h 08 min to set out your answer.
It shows 9 h 08 min
